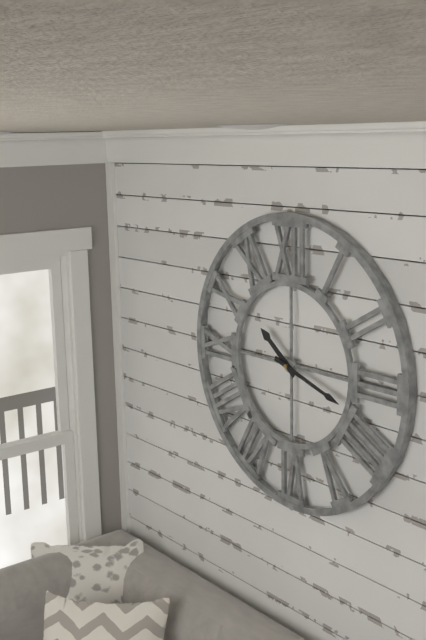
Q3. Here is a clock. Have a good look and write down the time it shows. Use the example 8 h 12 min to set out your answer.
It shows 10 h 18 min
